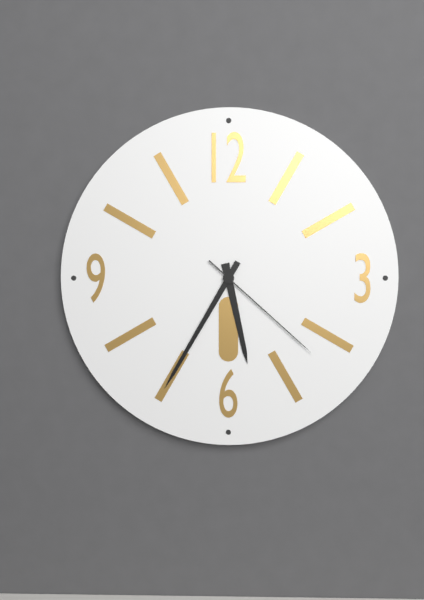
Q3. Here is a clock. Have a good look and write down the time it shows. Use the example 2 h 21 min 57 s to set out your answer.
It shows 5 h 35 min 22 s
